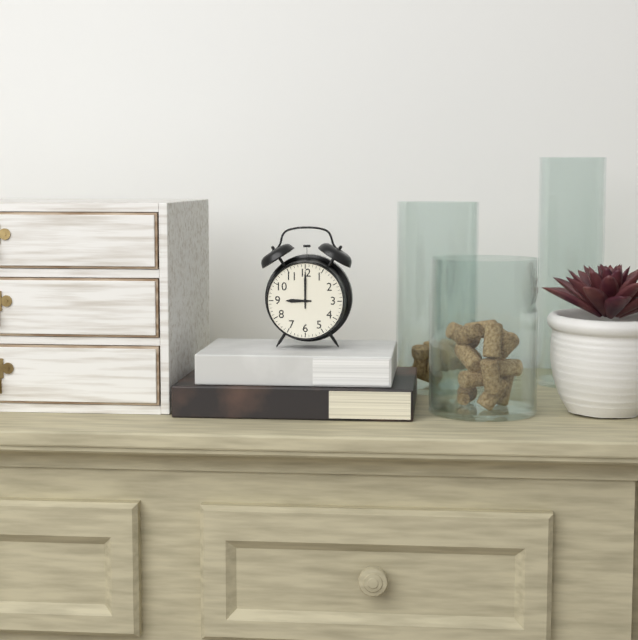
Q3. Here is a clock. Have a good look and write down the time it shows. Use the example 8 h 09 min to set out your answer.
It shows 9 h 00 min
